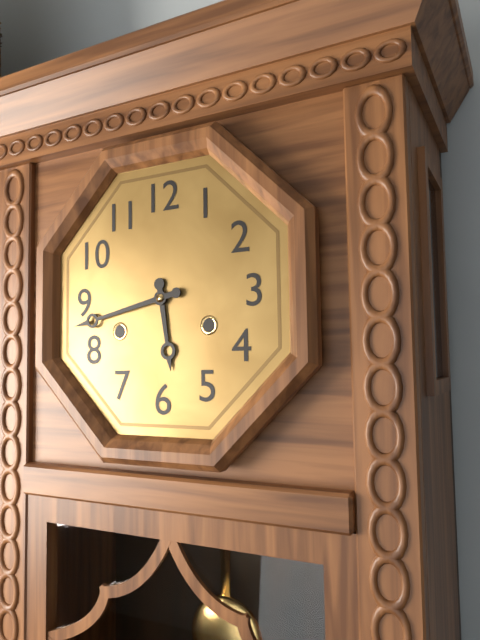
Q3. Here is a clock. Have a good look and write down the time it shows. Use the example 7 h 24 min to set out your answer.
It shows 5 h 43 min
